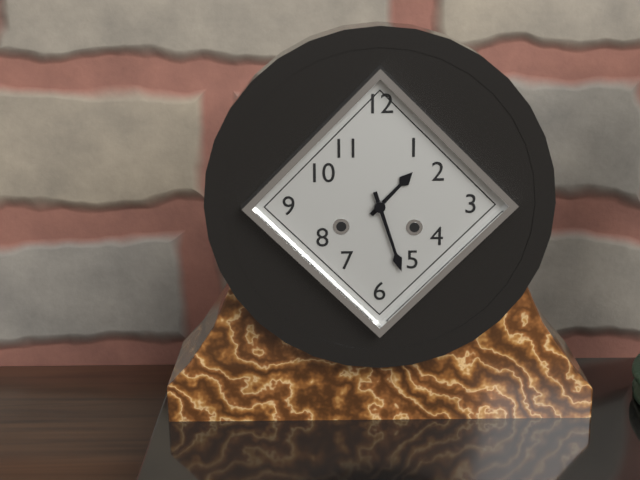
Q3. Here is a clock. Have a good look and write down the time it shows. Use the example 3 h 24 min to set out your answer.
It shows 1 h 27 min
